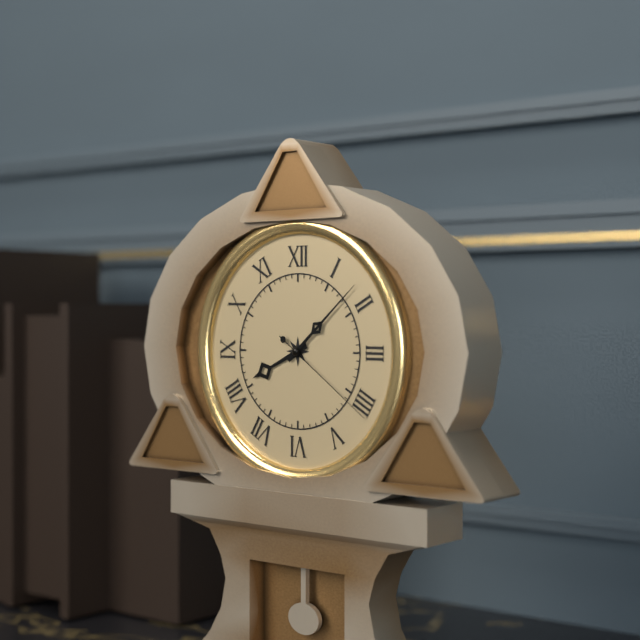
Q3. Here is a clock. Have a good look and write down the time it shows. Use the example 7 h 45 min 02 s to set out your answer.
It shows 8 h 08 min 21 s
